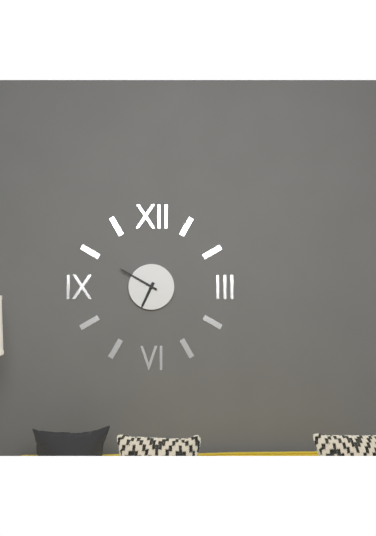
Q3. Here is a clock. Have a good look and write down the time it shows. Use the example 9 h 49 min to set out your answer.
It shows 6 h 50 min
